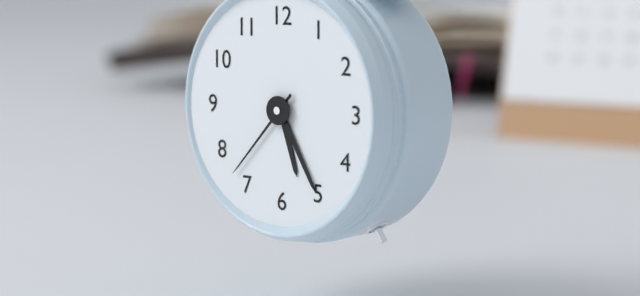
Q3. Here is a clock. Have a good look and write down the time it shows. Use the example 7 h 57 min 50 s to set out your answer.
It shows 5 h 25 min 37 s
